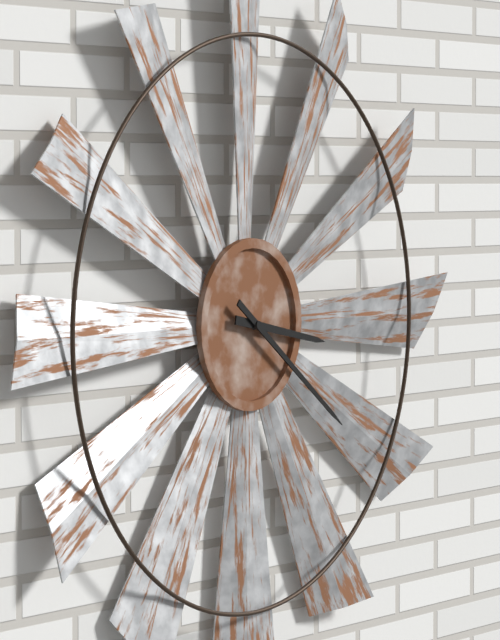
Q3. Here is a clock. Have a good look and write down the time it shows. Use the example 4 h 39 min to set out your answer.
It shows 3 h 21 min
